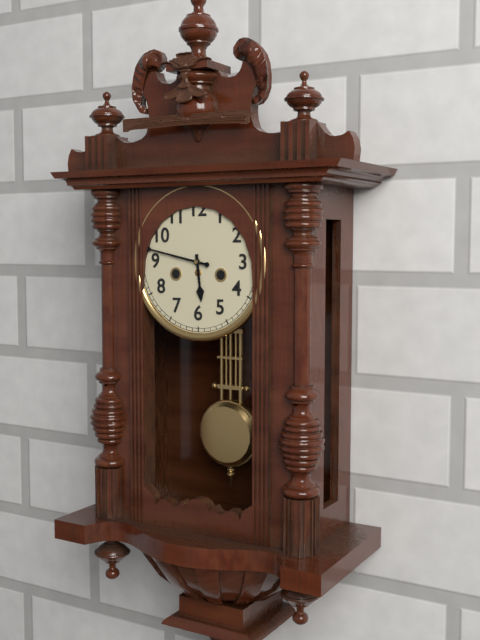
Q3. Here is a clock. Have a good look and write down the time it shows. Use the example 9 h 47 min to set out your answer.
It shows 5 h 47 min
